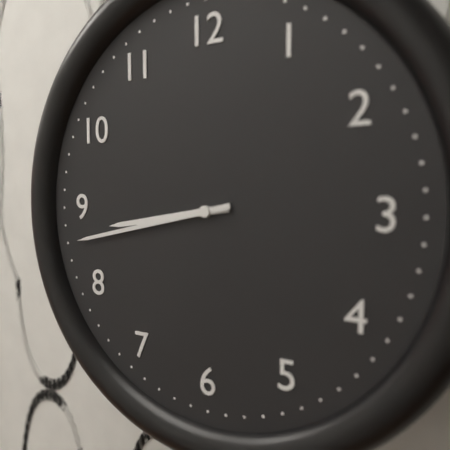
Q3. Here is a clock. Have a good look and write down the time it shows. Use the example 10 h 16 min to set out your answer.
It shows 8 h 43 min
